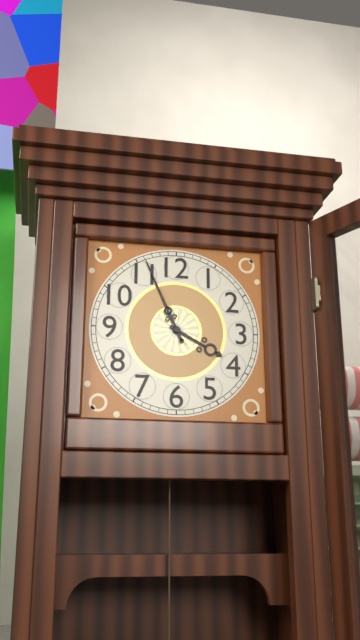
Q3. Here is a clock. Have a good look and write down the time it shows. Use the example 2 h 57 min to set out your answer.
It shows 3 h 56 min
